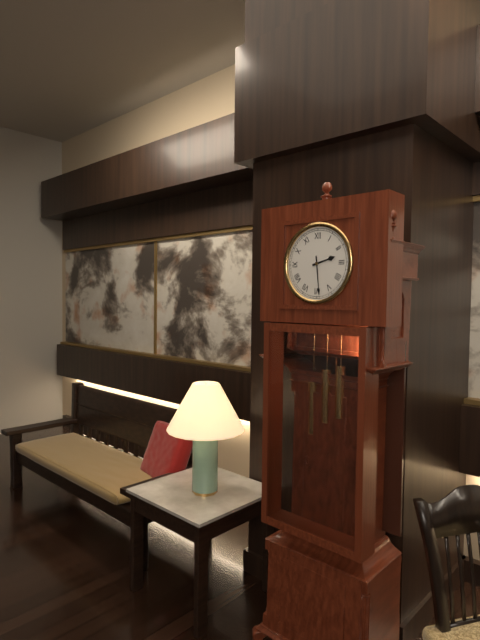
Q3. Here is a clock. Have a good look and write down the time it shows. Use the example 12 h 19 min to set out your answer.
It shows 2 h 29 min
